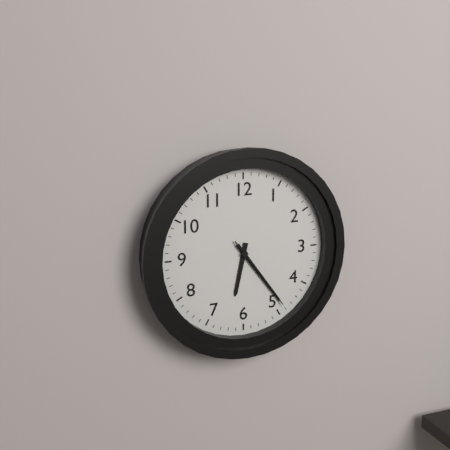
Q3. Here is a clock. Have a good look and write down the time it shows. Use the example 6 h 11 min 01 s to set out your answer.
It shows 6 h 24 min 24 s
